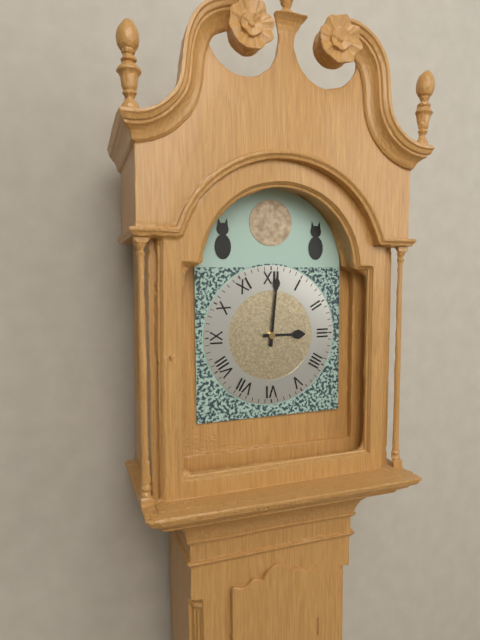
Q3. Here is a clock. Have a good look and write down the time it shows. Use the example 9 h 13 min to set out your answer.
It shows 3 h 01 min
